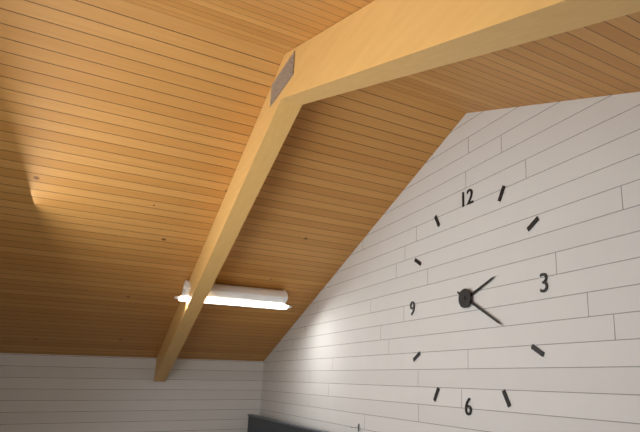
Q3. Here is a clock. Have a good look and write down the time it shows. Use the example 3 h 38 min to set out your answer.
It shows 2 h 20 min
